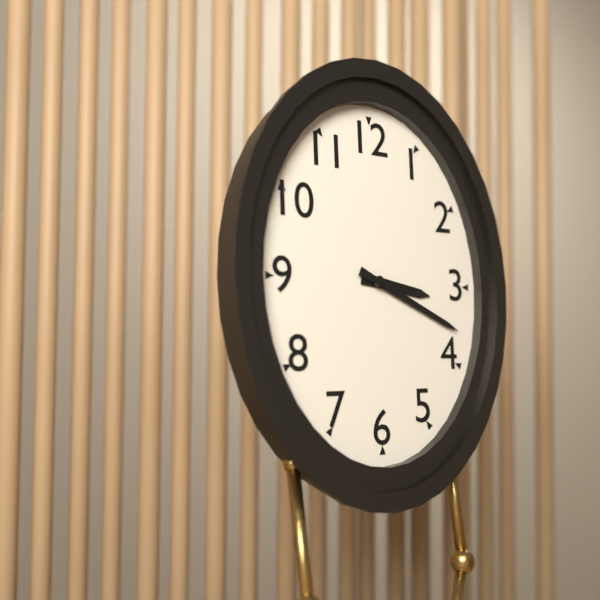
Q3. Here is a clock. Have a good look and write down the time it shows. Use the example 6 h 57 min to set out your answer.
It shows 3 h 19 min
